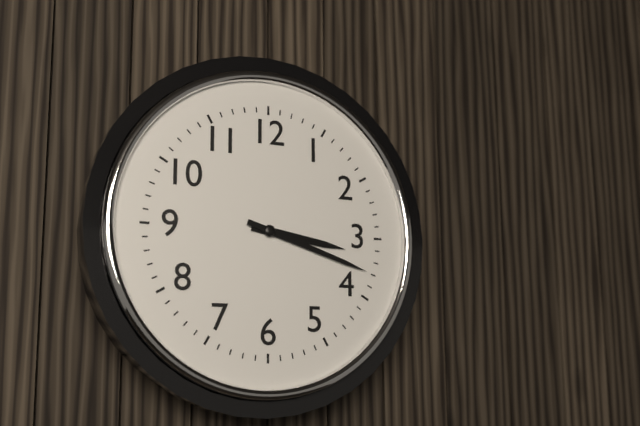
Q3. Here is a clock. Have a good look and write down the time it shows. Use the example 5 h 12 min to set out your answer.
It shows 3 h 18 min
